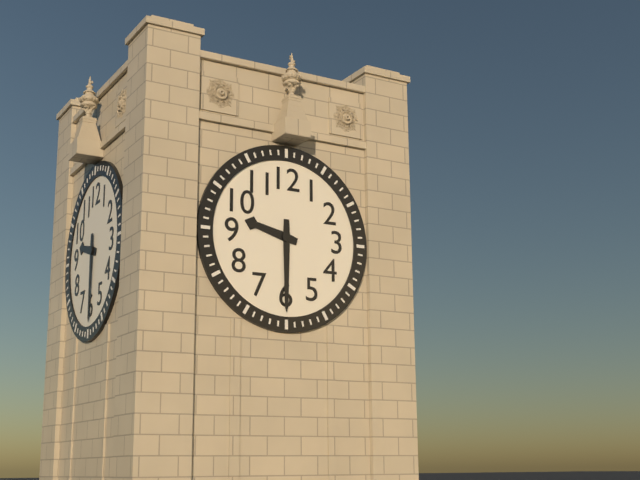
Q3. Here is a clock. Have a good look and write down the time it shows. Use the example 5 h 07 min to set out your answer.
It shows 9 h 30 min
